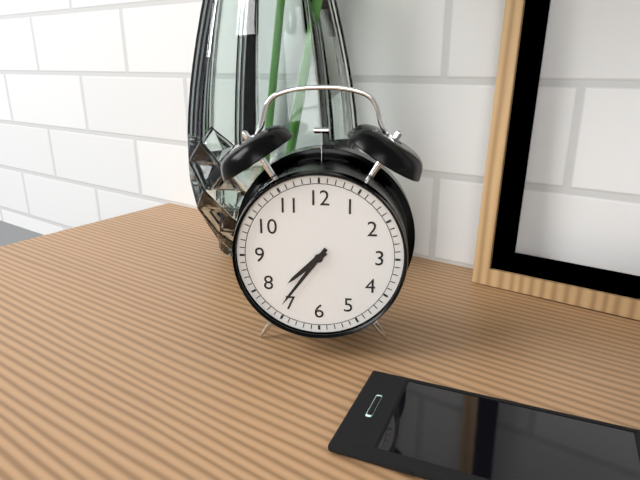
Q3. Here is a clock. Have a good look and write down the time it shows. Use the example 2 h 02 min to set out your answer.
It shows 7 h 36 min
